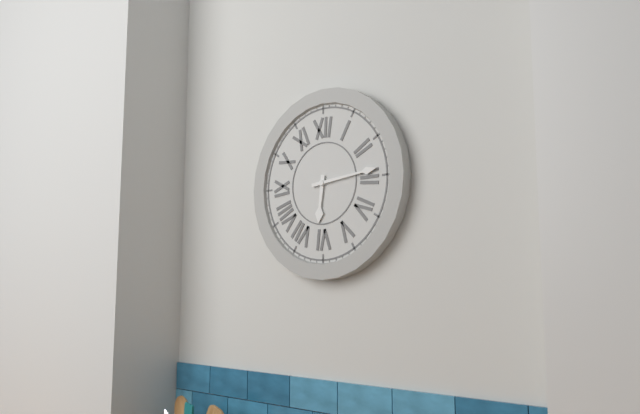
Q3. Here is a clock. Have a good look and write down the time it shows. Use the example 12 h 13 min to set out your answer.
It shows 6 h 14 min
